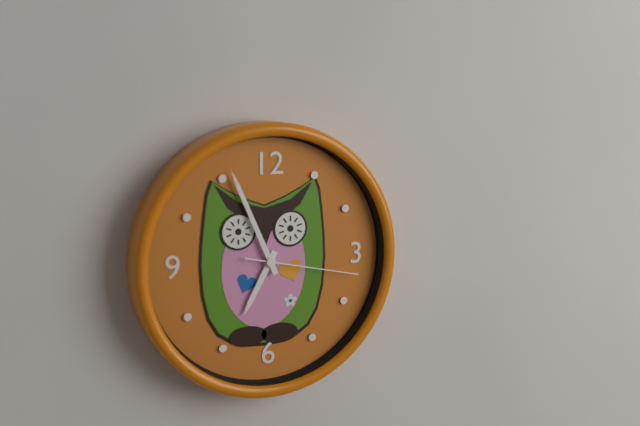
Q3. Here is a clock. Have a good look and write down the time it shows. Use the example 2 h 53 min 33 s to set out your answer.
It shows 6 h 56 min 17 s
